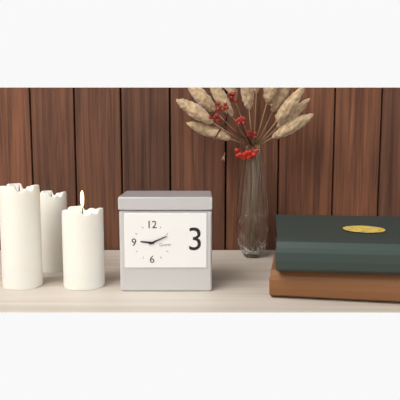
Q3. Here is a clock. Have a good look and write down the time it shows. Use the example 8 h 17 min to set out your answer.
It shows 9 h 11 min
